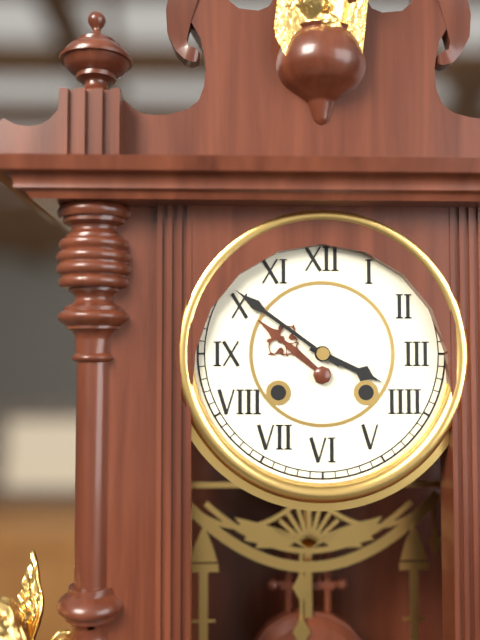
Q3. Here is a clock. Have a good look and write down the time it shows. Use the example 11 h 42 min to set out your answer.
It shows 3 h 51 min
